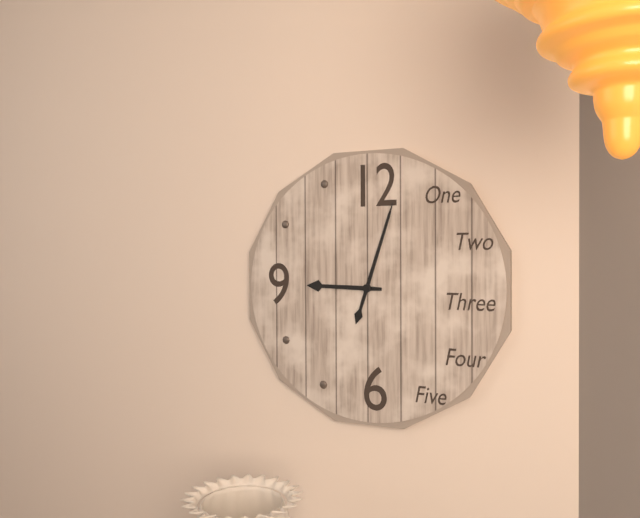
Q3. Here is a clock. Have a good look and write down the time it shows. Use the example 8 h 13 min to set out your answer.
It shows 9 h 03 min
